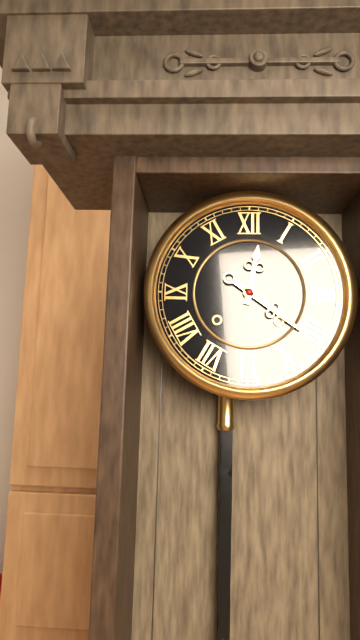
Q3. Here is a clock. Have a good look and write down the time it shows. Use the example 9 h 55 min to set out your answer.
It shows 12 h 21 min
